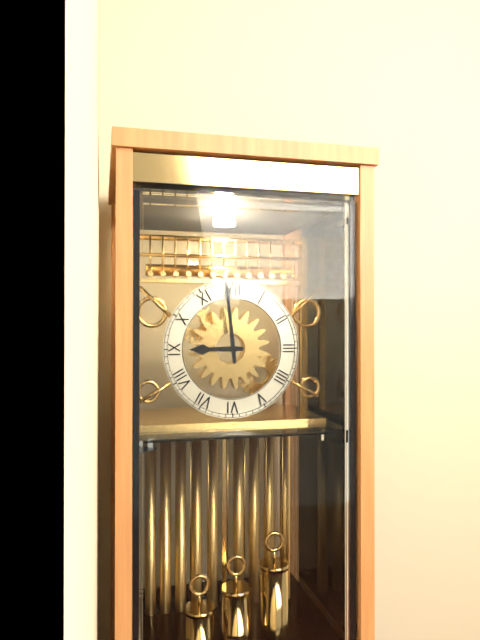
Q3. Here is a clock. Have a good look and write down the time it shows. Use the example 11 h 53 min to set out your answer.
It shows 8 h 59 min
